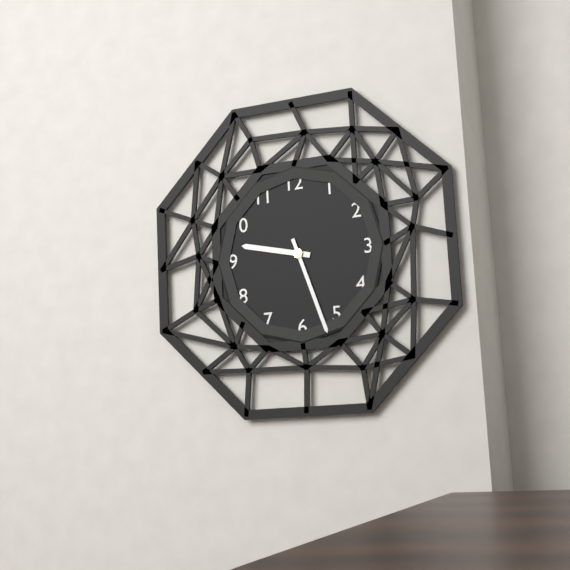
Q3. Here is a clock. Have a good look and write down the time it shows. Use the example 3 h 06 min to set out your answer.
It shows 9 h 27 min
